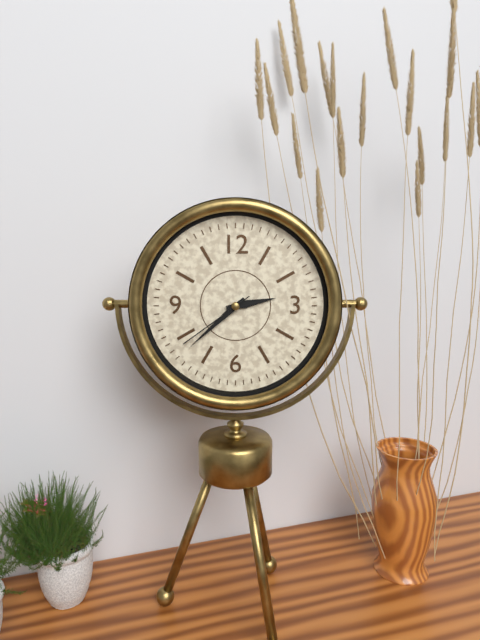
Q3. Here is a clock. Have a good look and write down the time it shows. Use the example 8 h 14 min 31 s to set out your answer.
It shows 2 h 38 min 39 s
